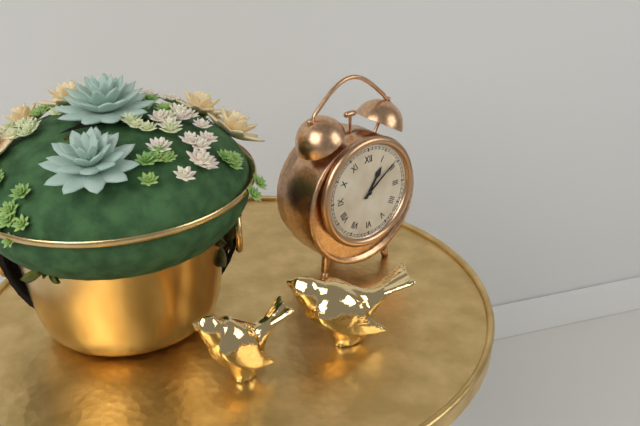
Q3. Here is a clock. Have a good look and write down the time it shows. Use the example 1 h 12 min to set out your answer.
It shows 1 h 09 min
